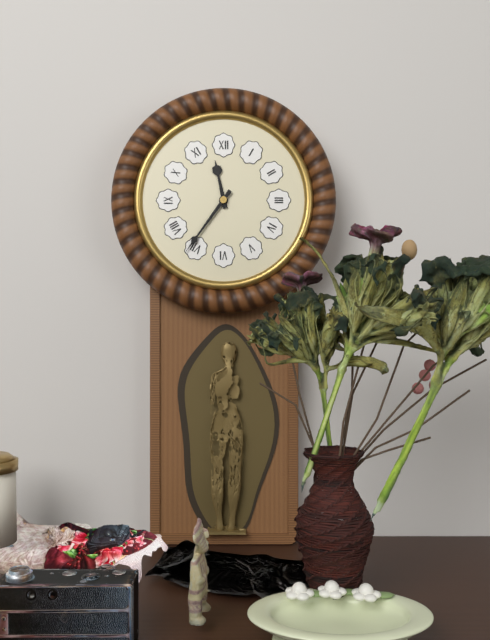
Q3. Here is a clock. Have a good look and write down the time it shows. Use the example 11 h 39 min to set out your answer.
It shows 11 h 36 min
